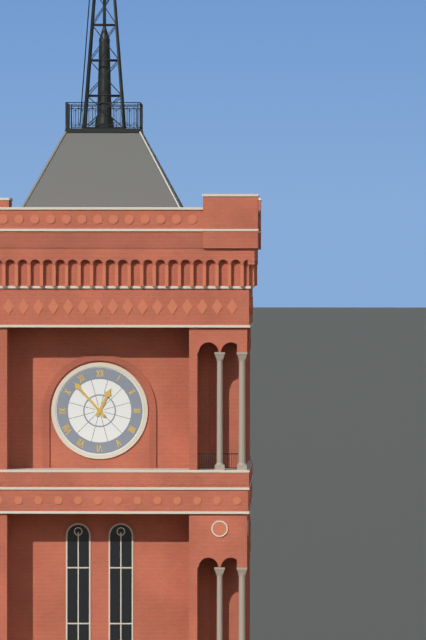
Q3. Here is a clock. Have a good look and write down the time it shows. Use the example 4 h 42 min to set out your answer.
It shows 12 h 53 min
